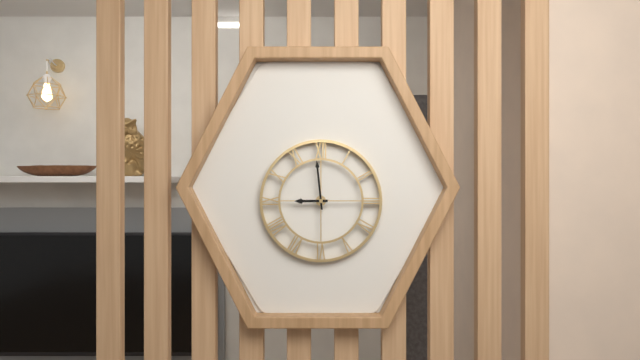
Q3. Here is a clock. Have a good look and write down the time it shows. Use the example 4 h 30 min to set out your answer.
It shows 8 h 59 min
